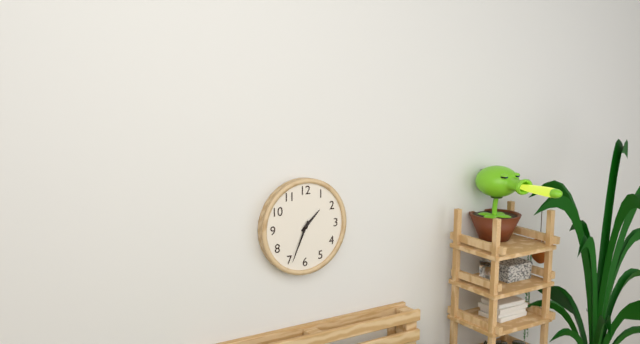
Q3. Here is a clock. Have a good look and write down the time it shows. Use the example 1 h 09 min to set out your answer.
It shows 1 h 34 min
